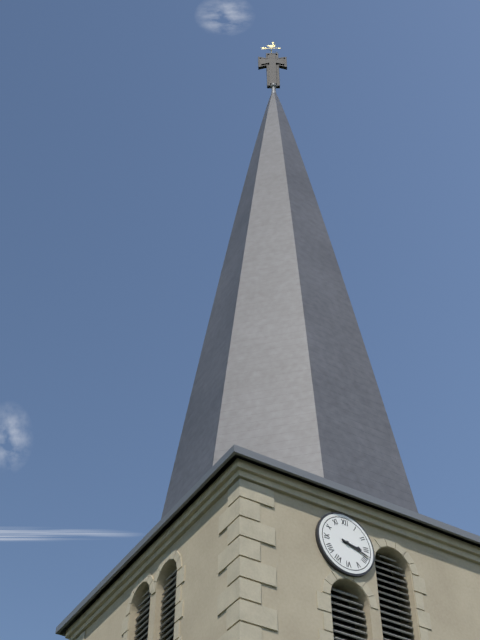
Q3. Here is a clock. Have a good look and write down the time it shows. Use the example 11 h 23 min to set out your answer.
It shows 3 h 18 min
